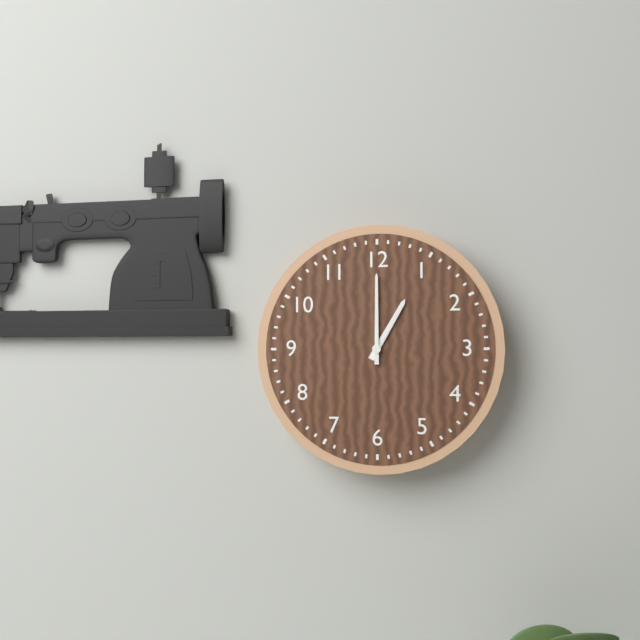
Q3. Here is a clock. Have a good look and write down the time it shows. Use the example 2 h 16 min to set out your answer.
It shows 1 h 00 min
